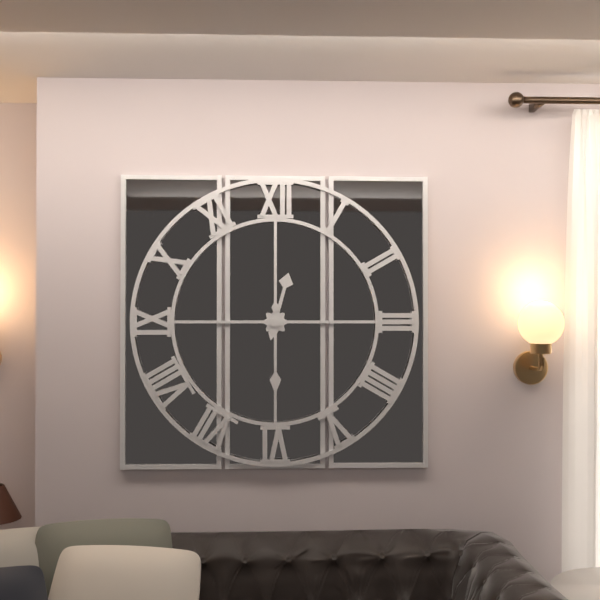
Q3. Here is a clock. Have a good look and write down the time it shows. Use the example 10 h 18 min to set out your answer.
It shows 12 h 30 min
